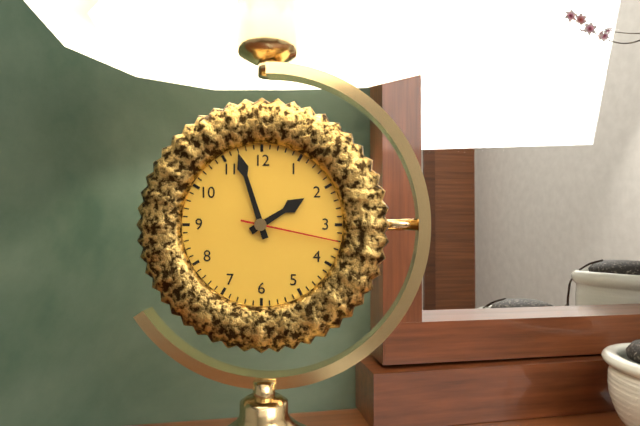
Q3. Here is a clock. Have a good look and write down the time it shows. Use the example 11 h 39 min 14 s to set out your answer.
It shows 1 h 57 min 17 s
